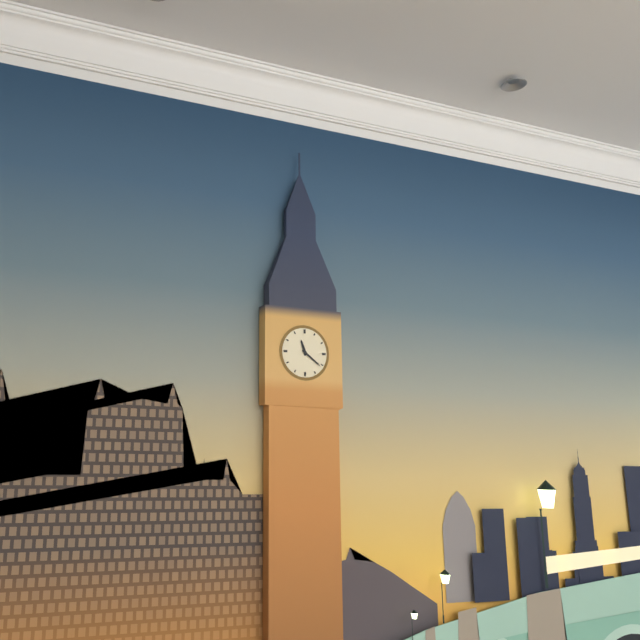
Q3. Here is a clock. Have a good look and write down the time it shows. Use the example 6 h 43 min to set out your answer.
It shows 11 h 21 min
